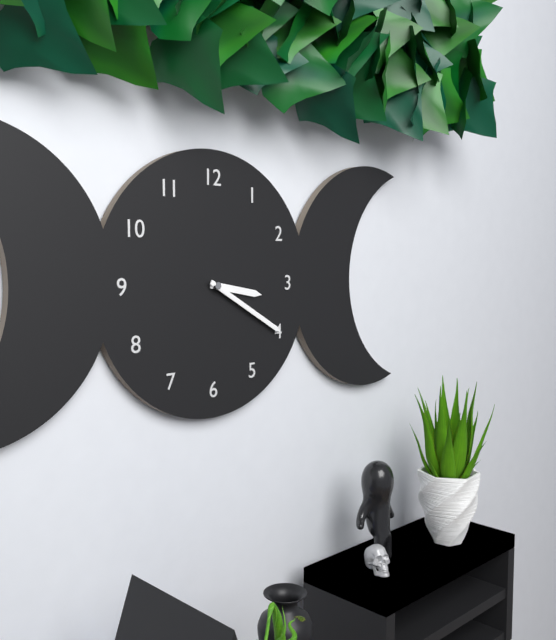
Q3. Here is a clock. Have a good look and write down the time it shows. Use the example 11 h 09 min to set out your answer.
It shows 3 h 20 min
